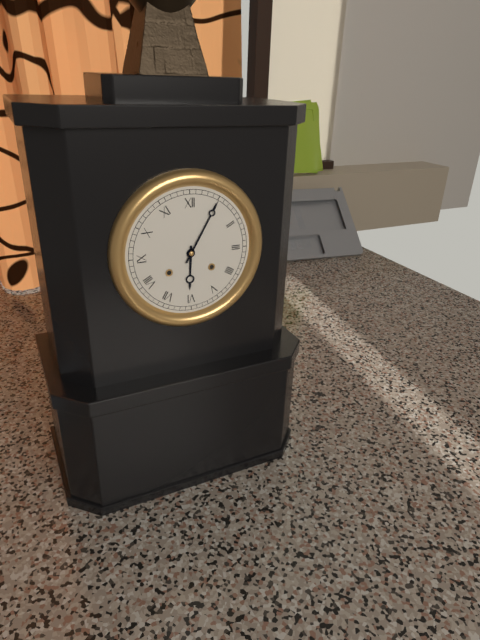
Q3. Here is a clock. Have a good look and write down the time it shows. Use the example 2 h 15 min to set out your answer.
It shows 6 h 05 min
